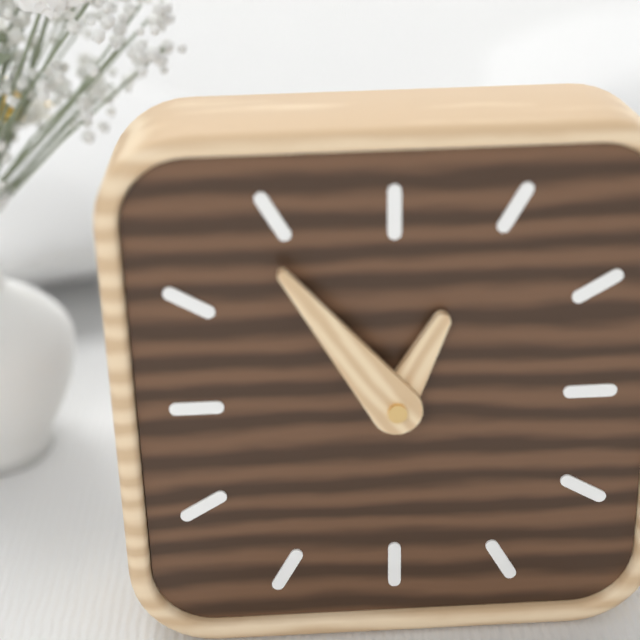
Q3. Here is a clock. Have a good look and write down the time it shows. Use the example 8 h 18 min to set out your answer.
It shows 12 h 54 min
